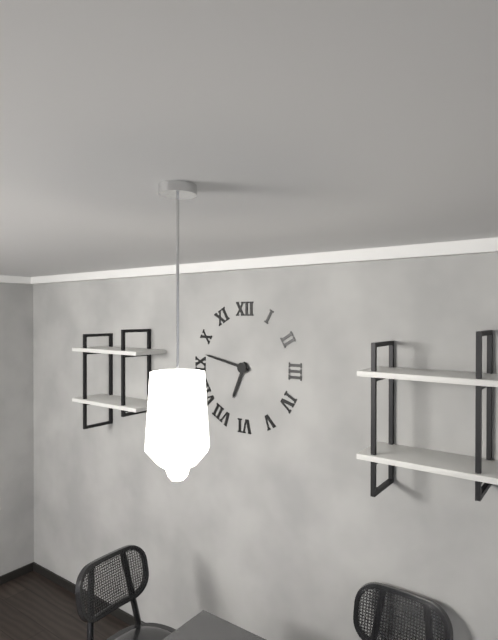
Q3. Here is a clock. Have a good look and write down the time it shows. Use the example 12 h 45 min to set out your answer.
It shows 6 h 47 min
